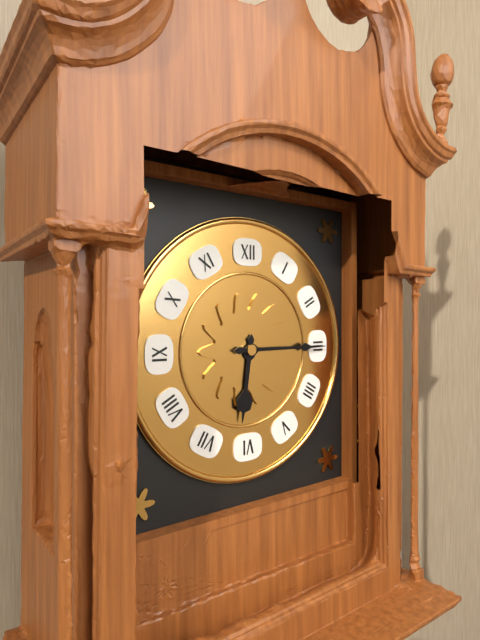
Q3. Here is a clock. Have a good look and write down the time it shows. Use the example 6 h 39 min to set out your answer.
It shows 6 h 15 min
